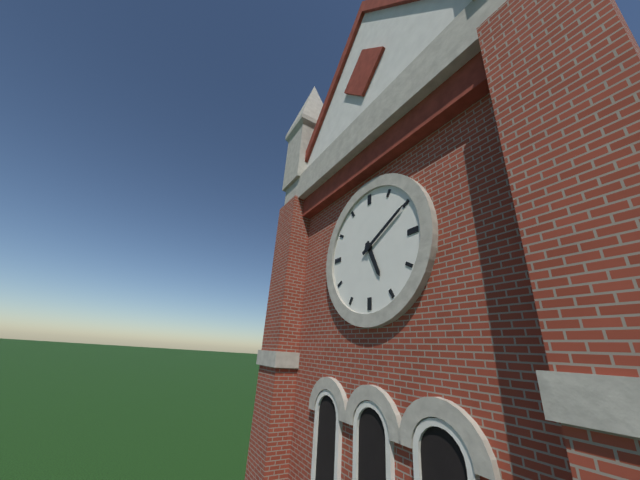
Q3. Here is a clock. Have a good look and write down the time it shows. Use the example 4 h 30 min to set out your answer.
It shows 5 h 10 min
